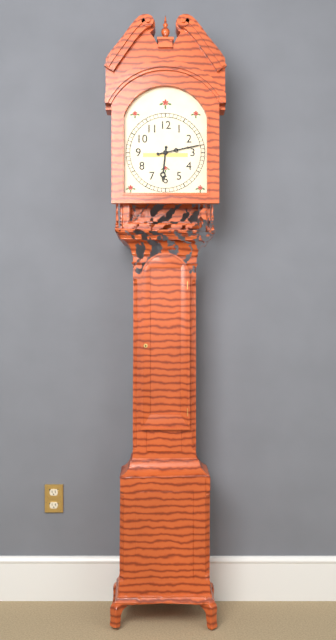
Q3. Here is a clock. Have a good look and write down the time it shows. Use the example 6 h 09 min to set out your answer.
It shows 6 h 13 min
